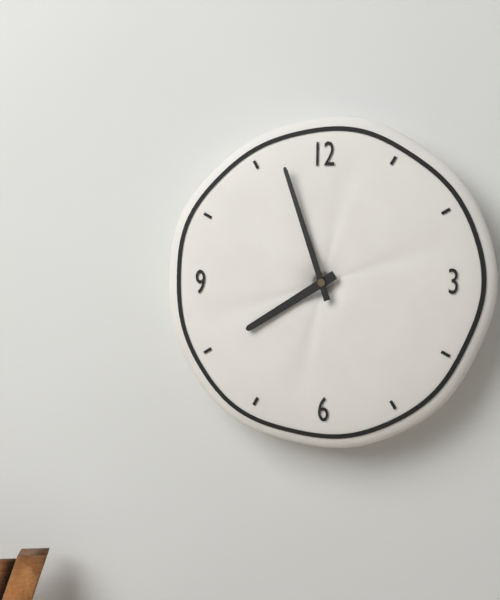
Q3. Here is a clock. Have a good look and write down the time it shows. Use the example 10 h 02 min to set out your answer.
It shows 7 h 57 min
